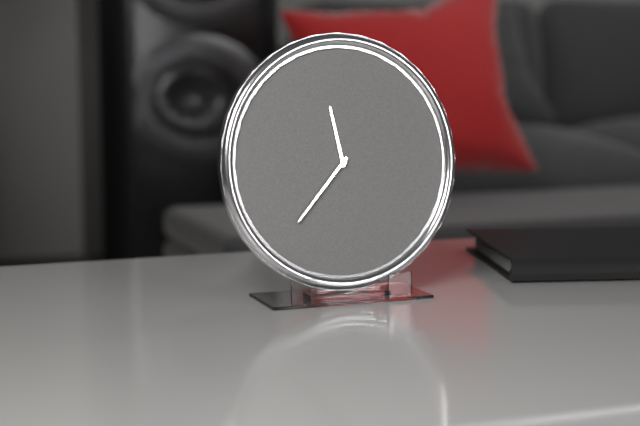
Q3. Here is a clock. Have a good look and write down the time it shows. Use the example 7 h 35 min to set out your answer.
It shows 11 h 37 min
